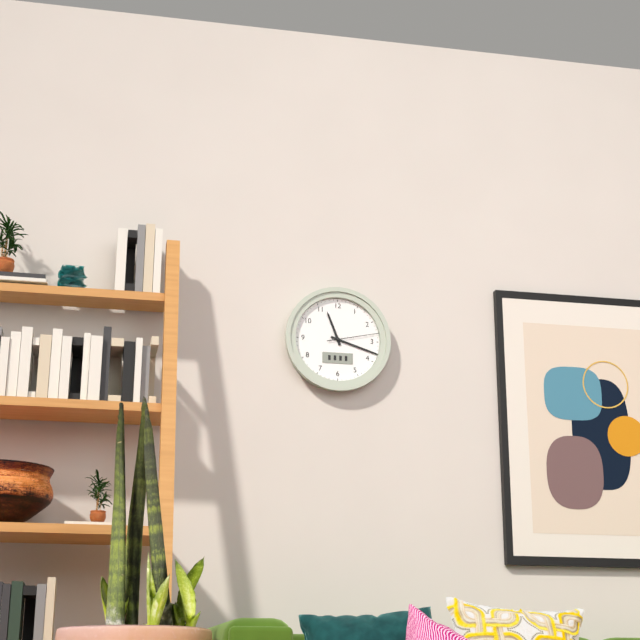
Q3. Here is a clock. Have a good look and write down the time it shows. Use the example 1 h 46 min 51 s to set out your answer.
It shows 11 h 18 min 13 s
